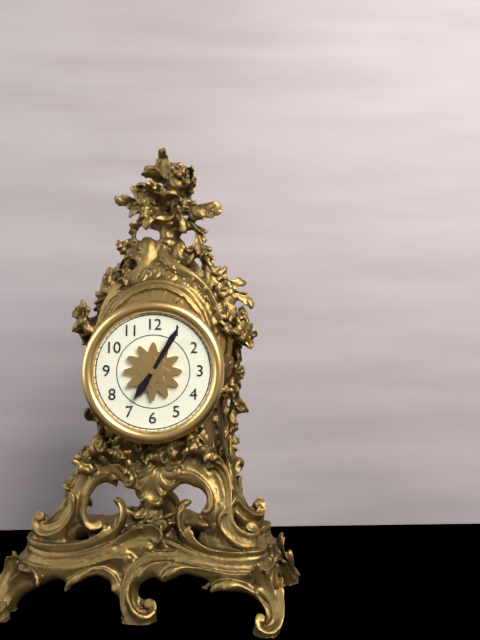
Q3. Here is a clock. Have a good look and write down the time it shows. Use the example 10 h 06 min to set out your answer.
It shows 7 h 05 min
